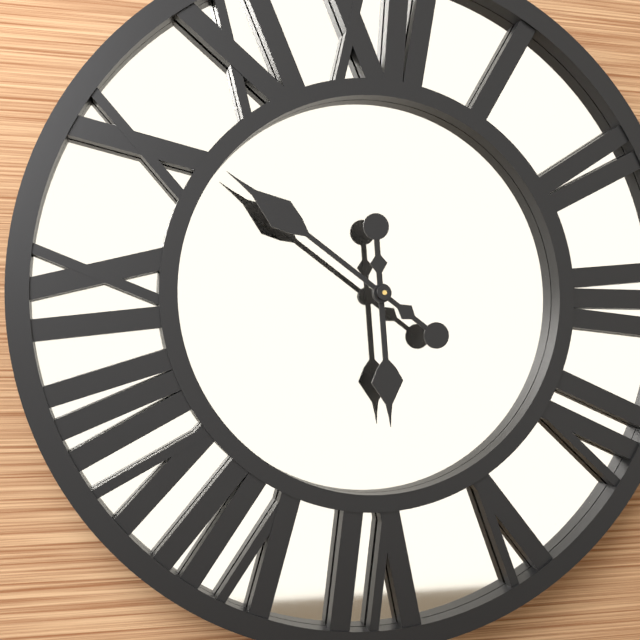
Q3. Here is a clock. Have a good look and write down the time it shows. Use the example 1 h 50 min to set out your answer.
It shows 5 h 51 min
